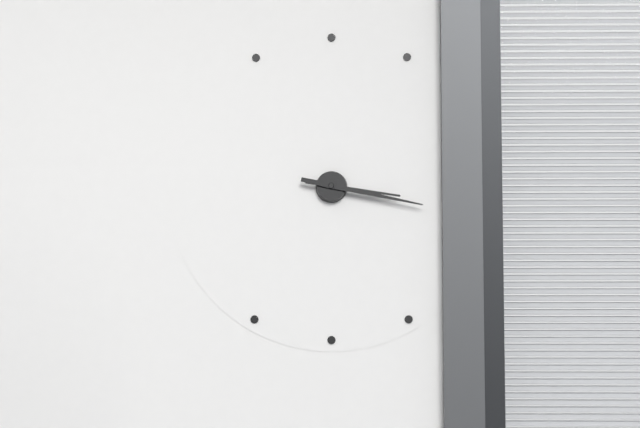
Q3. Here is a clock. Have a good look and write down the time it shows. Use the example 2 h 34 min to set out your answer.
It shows 3 h 17 min
